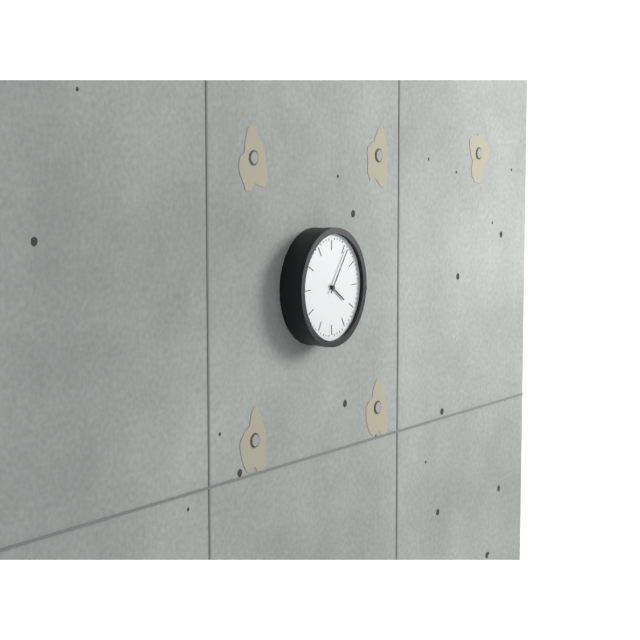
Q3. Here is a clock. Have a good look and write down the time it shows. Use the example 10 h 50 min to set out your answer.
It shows 4 h 06 min
